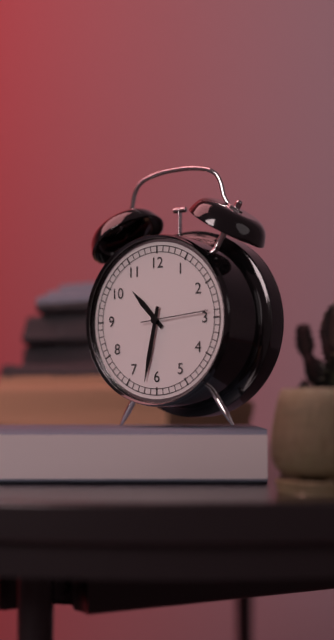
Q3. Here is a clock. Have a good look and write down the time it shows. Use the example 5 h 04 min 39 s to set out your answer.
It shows 10 h 32 min 14 s
